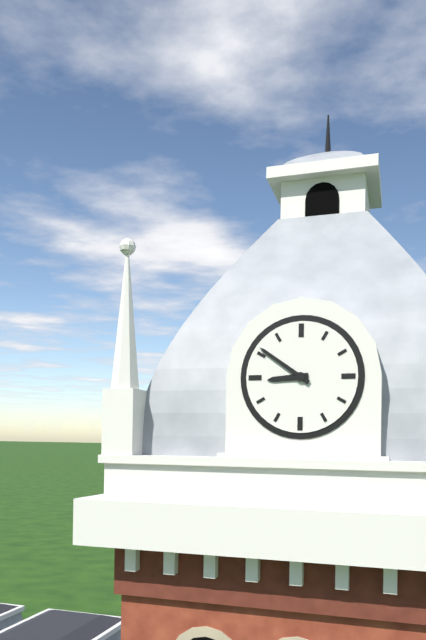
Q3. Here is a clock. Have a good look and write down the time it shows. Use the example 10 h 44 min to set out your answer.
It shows 8 h 51 min
